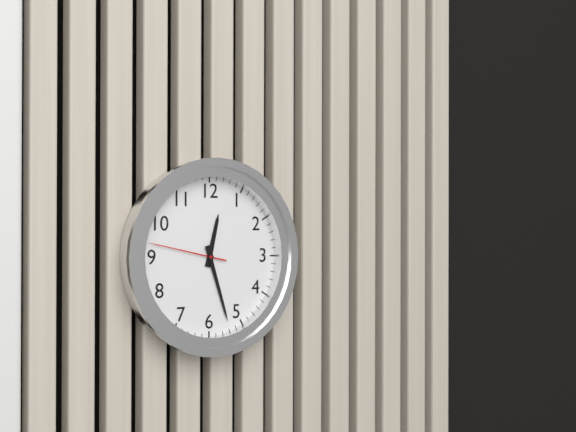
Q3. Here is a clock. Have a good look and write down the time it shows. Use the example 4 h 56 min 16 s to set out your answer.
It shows 12 h 27 min 47 s
